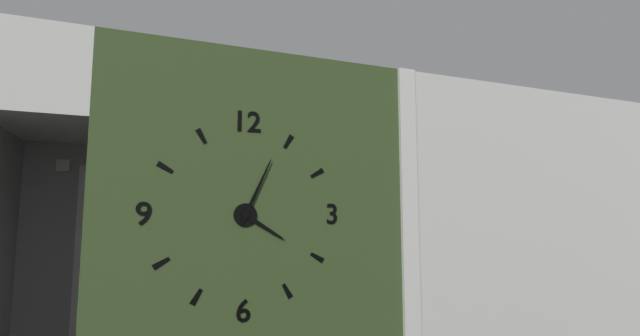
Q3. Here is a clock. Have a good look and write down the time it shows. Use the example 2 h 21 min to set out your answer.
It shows 4 h 04 min
